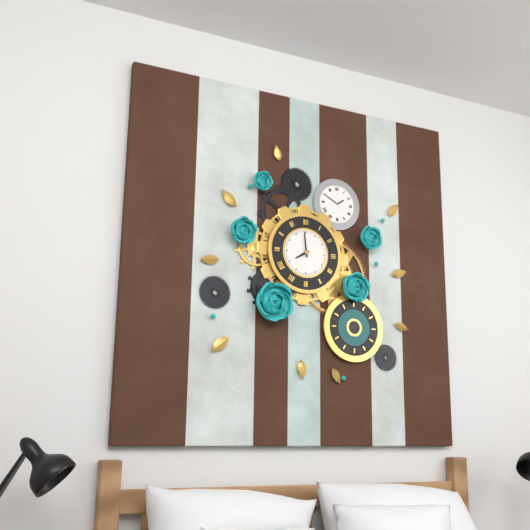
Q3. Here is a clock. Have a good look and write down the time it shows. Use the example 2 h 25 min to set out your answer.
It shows 7 h 59 min
